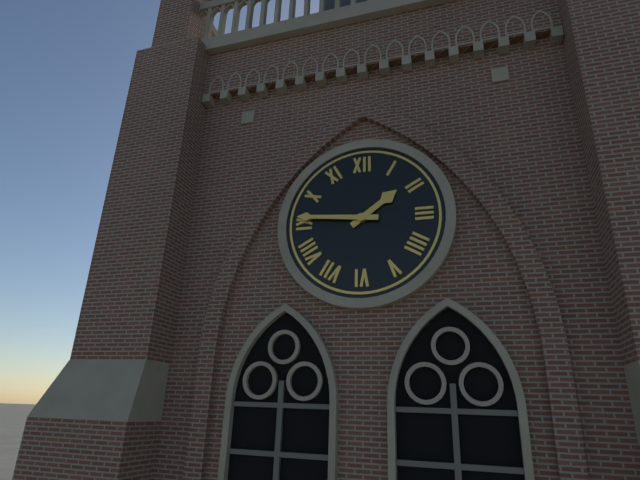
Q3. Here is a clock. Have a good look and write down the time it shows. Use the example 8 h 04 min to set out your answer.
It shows 1 h 46 min
